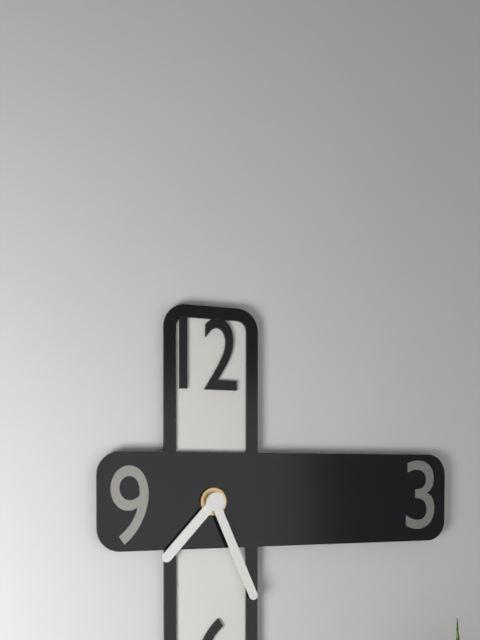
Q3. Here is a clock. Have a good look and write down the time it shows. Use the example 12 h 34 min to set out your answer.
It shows 7 h 26 min
